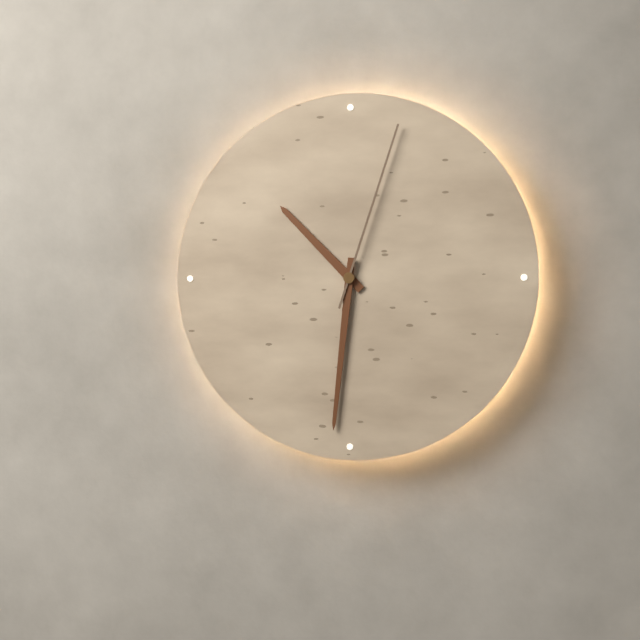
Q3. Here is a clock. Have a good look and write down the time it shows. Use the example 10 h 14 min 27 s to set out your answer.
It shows 10 h 31 min 03 s
